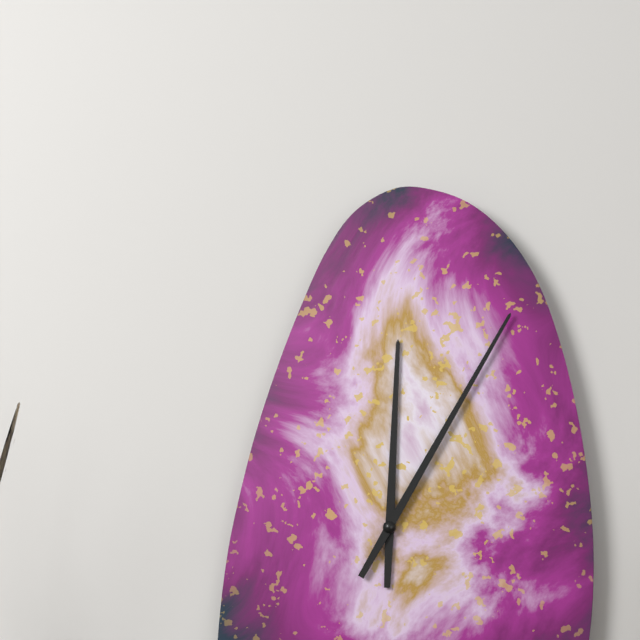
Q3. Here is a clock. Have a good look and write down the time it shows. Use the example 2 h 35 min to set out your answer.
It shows 12 h 05 min
